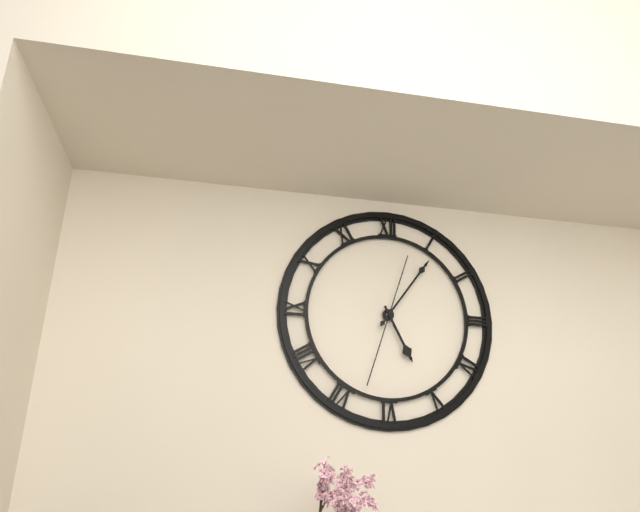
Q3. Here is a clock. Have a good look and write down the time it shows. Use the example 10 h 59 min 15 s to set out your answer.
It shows 5 h 06 min 33 s
